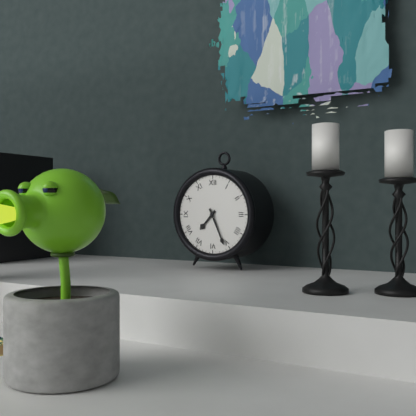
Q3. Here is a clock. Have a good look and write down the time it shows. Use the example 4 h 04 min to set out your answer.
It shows 7 h 26 min
